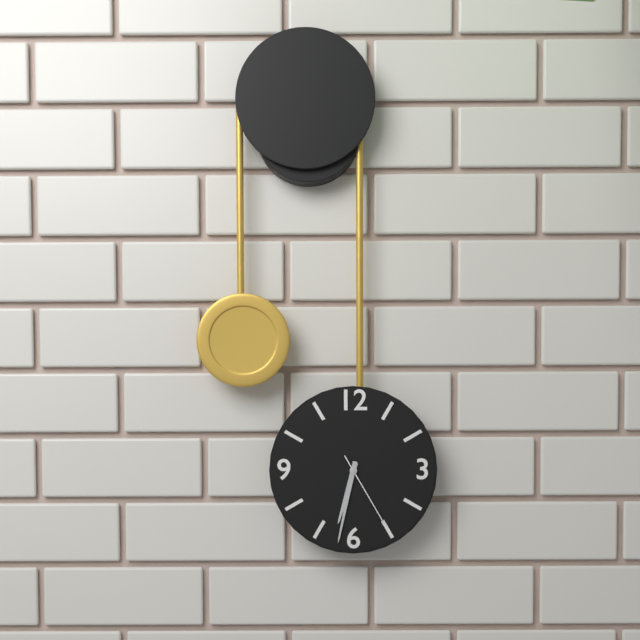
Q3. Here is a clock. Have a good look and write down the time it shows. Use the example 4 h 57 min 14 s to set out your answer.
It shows 6 h 32 min 25 s
